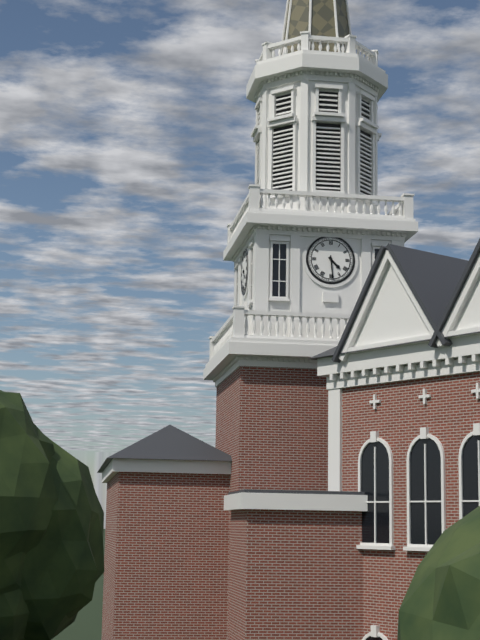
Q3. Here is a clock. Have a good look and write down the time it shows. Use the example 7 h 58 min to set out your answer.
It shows 4 h 29 min
